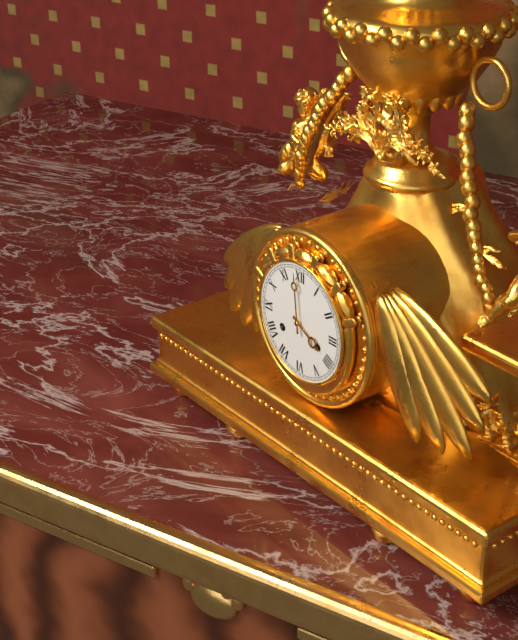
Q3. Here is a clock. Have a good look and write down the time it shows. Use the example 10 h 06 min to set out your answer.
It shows 3 h 59 min
